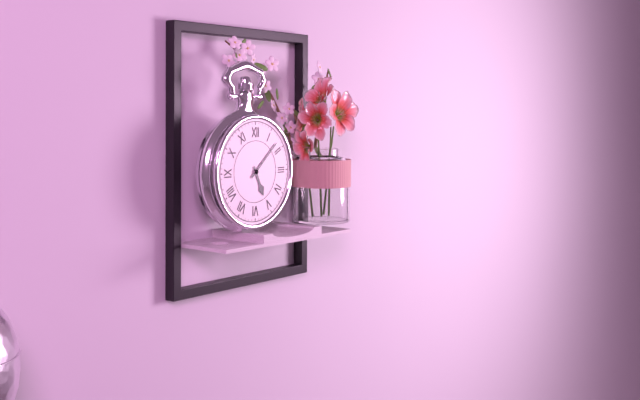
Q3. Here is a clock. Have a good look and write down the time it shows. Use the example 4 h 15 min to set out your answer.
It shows 5 h 08 min
